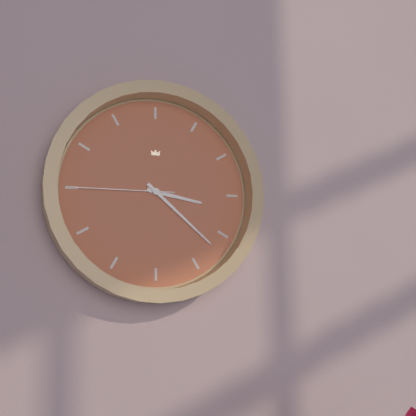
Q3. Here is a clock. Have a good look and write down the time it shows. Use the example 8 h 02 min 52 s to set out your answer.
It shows 3 h 22 min 45 s
